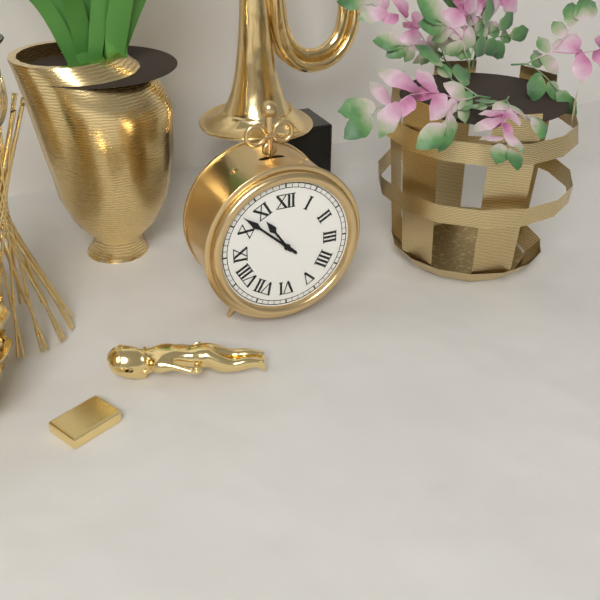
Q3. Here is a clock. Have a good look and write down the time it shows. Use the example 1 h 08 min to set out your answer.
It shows 10 h 52 min
